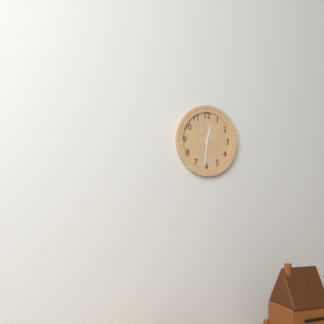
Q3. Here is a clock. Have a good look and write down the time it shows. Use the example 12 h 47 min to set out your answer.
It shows 12 h 31 min
